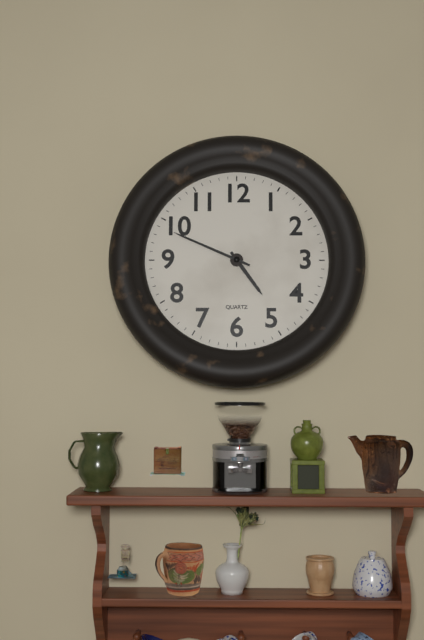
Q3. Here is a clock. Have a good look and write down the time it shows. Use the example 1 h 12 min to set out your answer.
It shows 4 h 49 min
